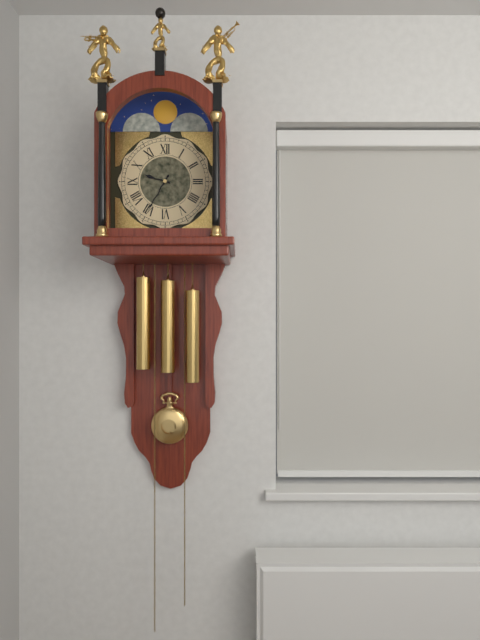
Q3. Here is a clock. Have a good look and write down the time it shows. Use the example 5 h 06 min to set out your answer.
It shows 9 h 35 min
